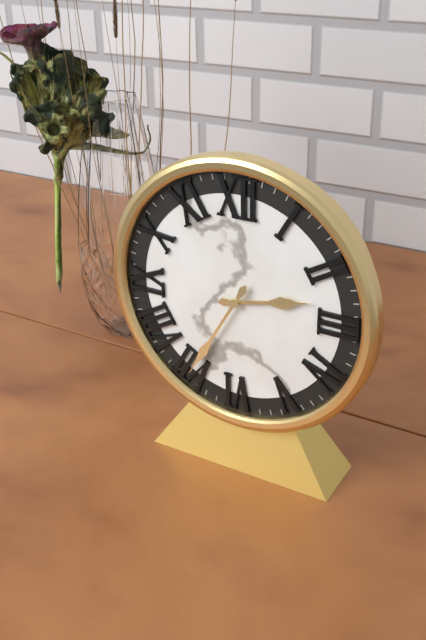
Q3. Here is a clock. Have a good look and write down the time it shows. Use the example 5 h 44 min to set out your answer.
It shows 2 h 35 min
